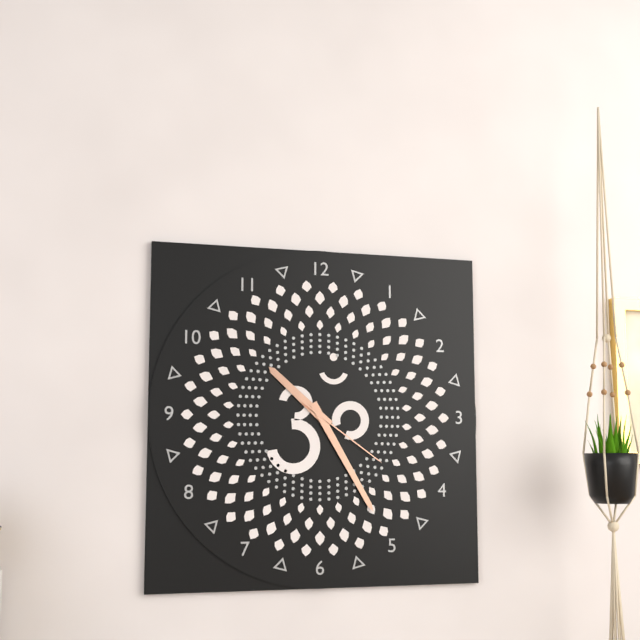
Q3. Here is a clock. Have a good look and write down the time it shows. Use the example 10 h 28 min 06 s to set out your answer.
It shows 10 h 25 min 21 s
